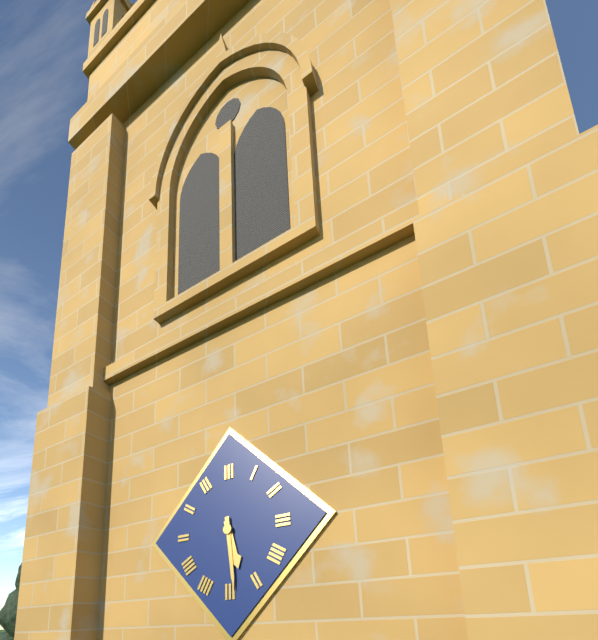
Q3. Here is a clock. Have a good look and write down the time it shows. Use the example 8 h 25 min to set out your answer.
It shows 5 h 29 min
